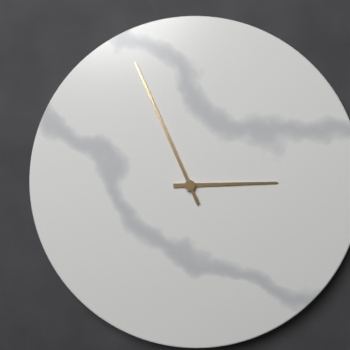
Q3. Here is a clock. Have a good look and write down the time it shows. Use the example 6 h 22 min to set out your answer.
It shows 2 h 56 min
